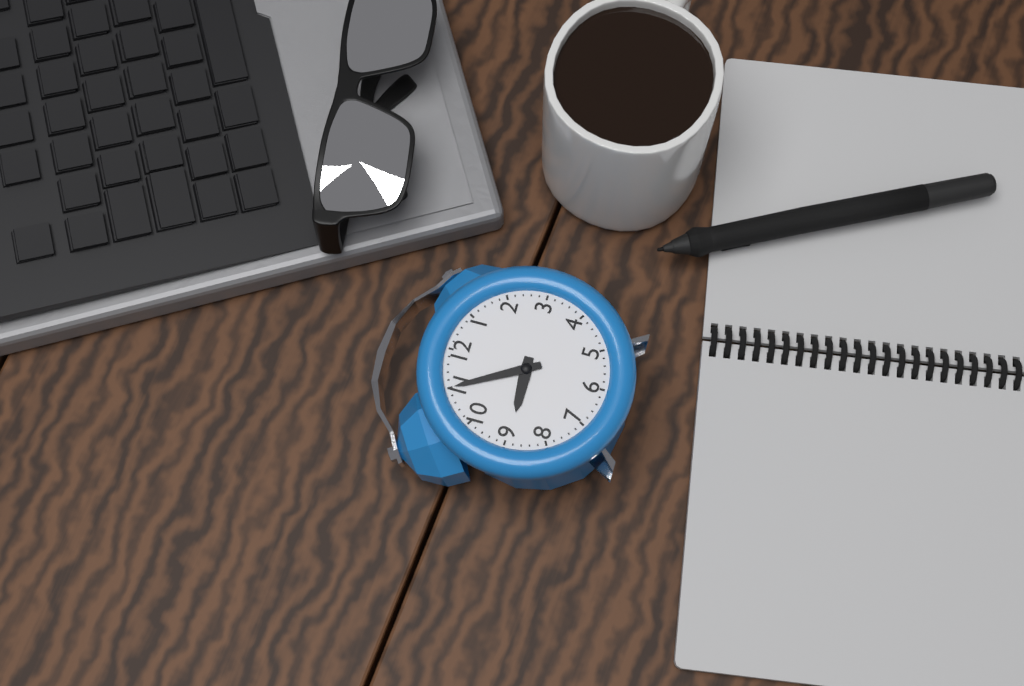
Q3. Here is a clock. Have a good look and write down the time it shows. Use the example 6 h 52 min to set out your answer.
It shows 8 h 55 min
